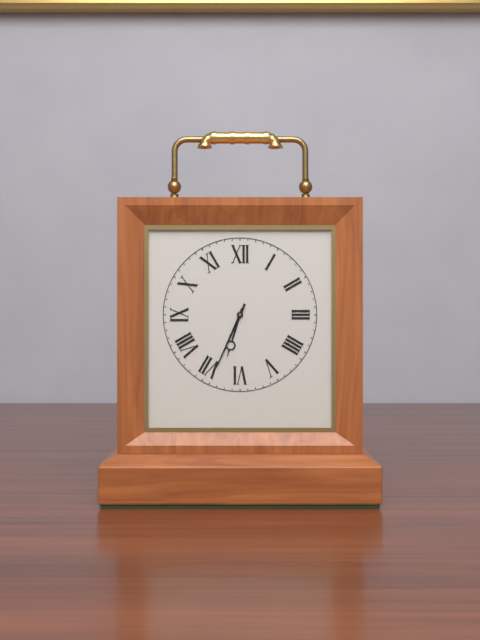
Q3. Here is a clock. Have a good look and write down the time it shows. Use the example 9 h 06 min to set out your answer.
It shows 6 h 34 min
